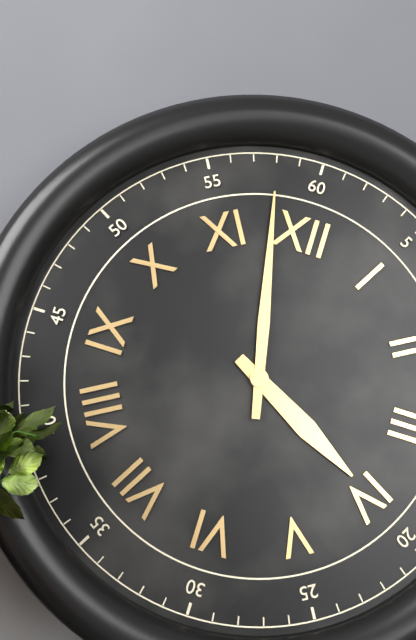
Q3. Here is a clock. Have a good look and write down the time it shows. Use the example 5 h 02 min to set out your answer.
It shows 3 h 58 min
